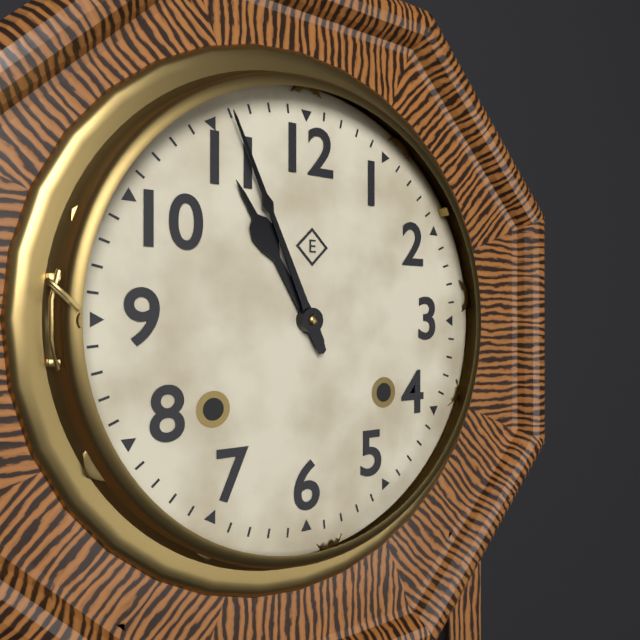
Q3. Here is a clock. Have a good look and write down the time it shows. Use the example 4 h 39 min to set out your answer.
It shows 10 h 56 min
